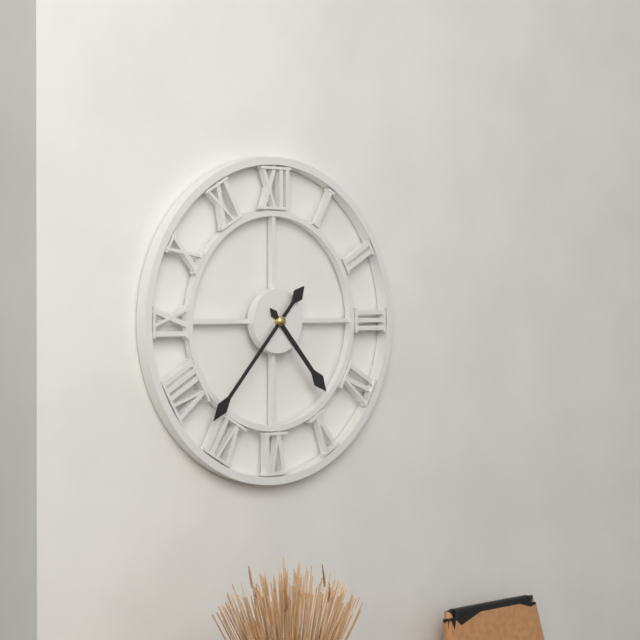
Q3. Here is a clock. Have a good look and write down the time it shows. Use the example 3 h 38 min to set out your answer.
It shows 4 h 37 min
